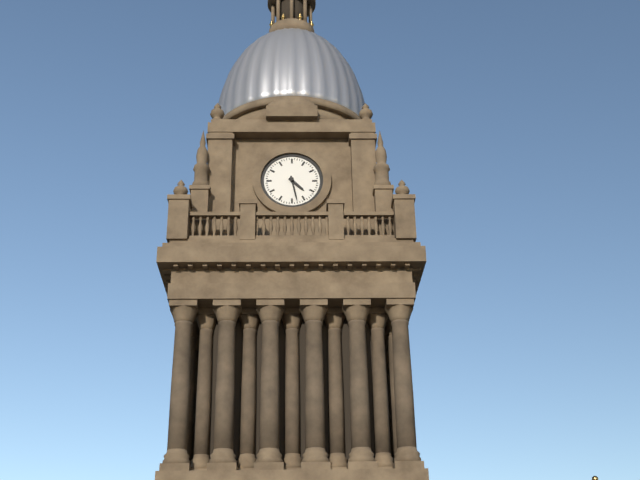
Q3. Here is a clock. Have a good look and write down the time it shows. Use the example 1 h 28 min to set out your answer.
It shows 4 h 28 min
